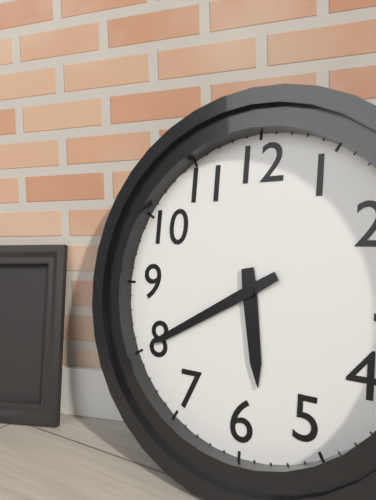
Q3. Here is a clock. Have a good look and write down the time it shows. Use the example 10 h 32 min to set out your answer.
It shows 5 h 40 min
